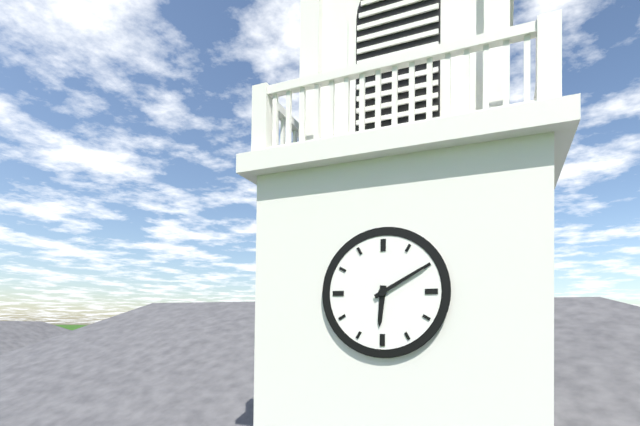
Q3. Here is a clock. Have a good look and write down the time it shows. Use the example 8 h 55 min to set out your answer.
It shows 6 h 10 min
